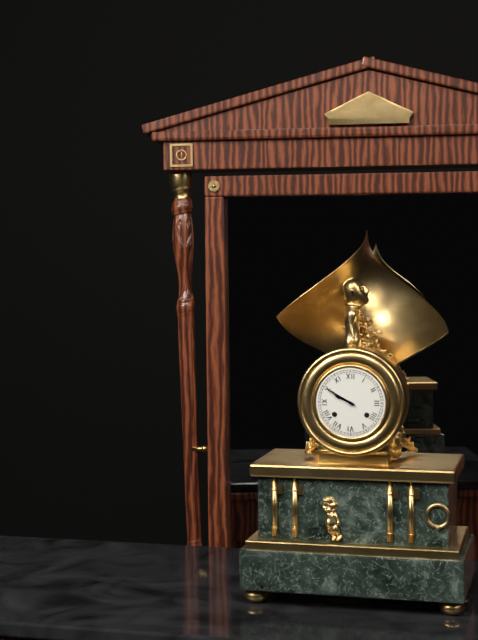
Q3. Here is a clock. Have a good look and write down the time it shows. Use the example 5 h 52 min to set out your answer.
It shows 9 h 50 min
